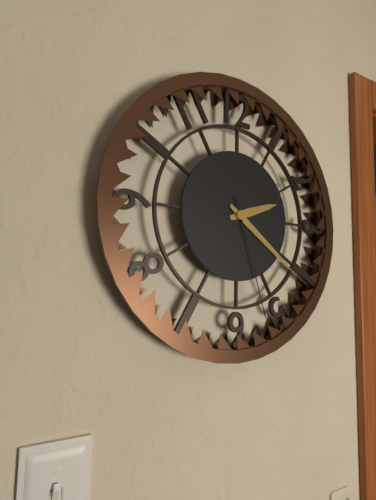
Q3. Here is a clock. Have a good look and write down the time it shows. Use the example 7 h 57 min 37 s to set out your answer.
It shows 2 h 21 min 27 s
